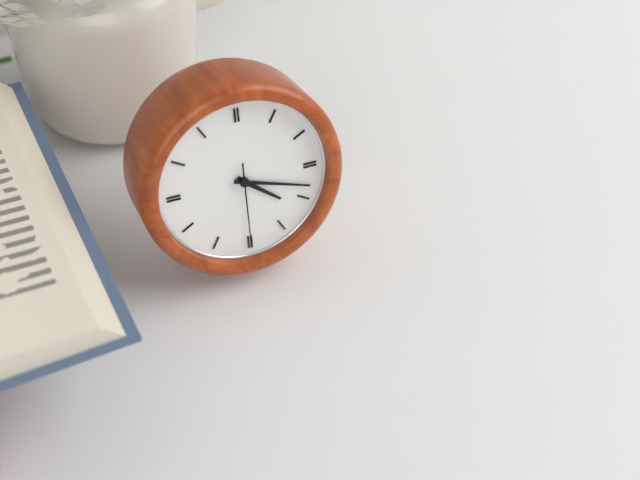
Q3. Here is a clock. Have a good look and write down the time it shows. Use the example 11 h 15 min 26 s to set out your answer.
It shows 4 h 18 min 30 s
